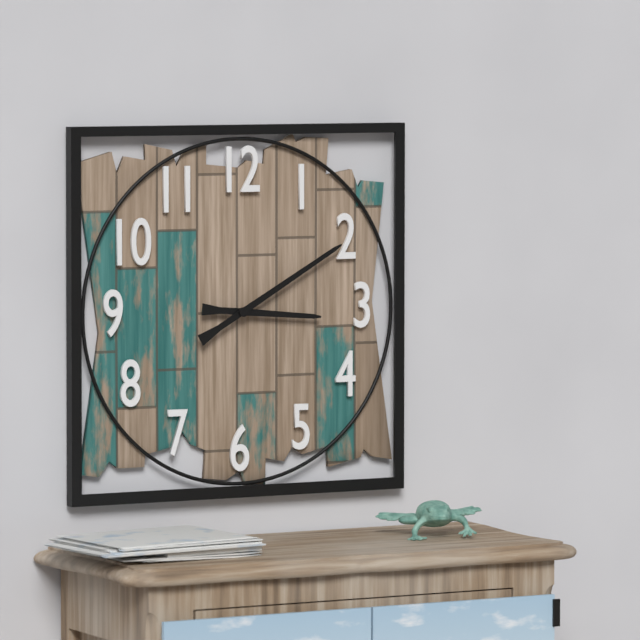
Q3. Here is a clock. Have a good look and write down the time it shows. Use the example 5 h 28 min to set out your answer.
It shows 3 h 10 min
